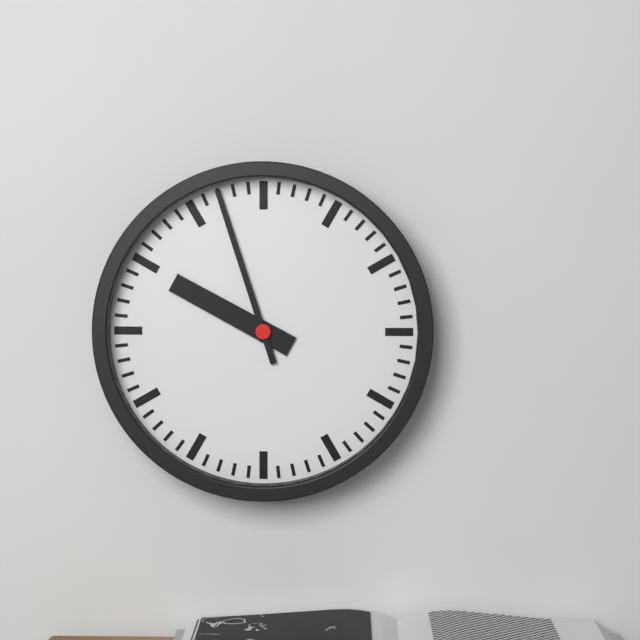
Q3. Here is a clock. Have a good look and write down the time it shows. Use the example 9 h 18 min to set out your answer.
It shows 9 h 57 min
